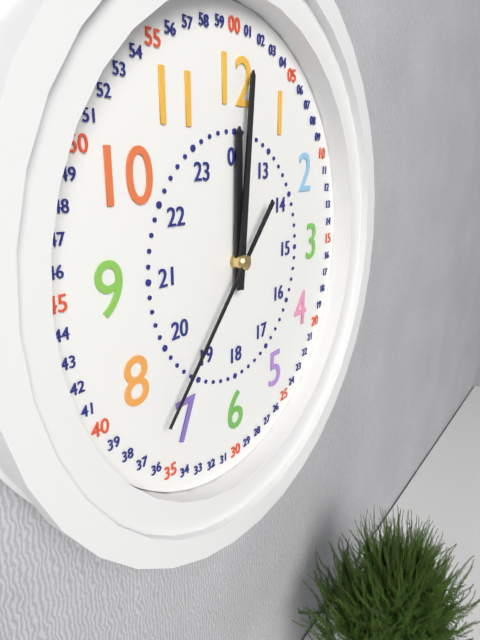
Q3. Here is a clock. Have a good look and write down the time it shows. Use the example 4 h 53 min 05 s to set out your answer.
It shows 12 h 01 min 37 s
